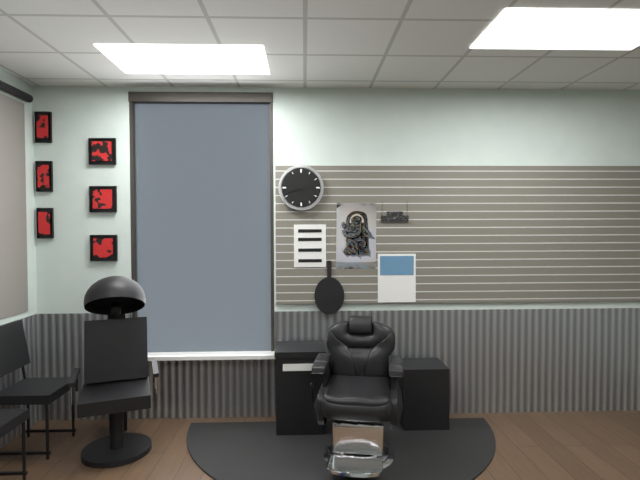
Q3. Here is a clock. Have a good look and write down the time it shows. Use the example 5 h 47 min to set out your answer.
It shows 4 h 42 min
